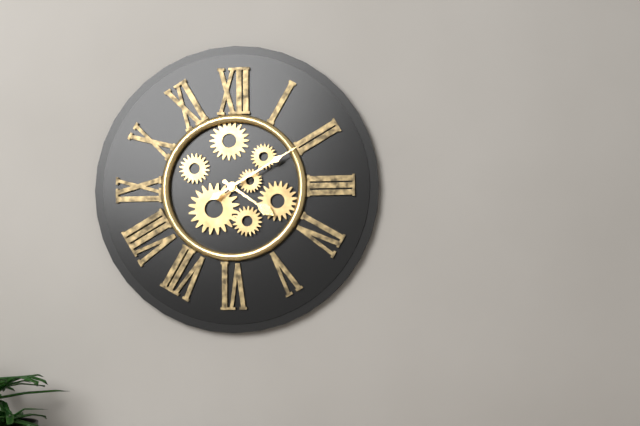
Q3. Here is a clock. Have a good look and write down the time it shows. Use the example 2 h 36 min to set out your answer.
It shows 4 h 10 min
